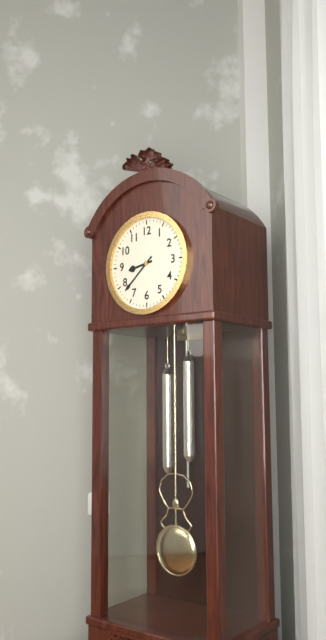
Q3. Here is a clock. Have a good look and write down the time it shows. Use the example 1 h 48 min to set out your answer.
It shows 8 h 38 min
